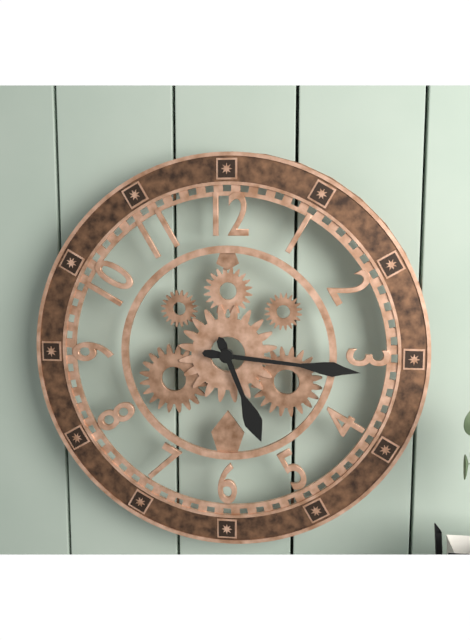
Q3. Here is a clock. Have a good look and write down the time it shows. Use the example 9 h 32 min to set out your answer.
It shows 5 h 16 min
